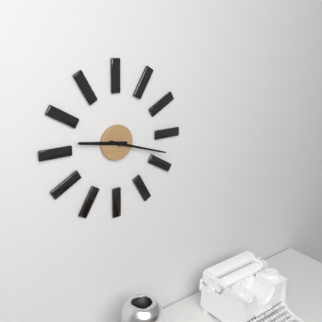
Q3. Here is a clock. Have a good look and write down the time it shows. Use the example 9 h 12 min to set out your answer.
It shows 9 h 18 min
